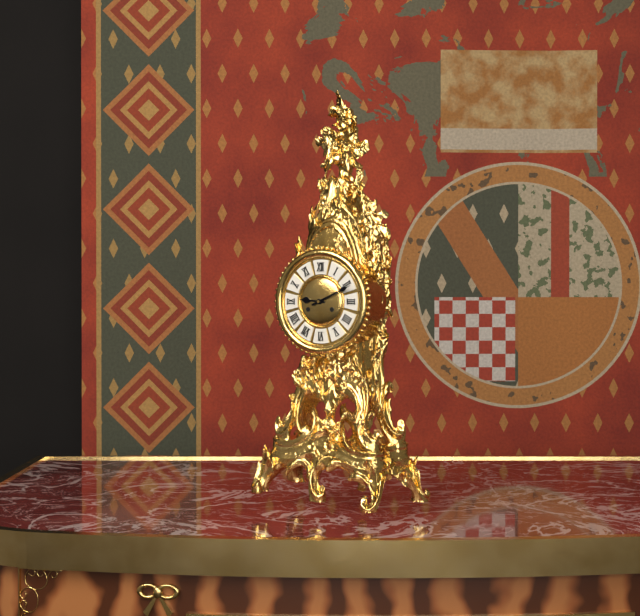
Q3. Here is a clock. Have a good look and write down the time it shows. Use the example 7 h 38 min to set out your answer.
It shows 9 h 11 min
